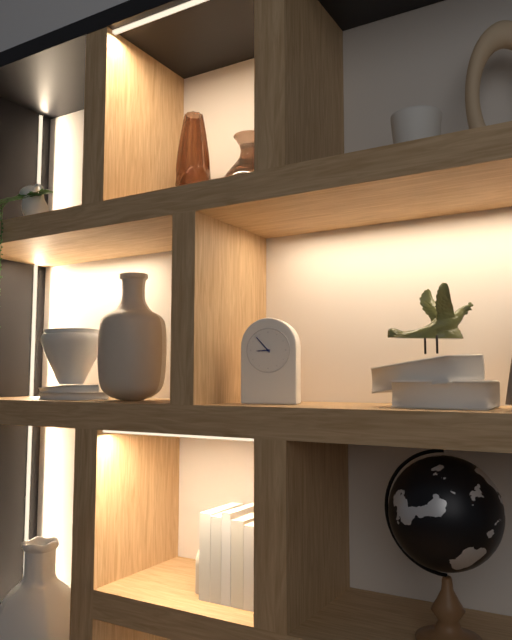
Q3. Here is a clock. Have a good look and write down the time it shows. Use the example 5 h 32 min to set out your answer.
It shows 8 h 53 min
